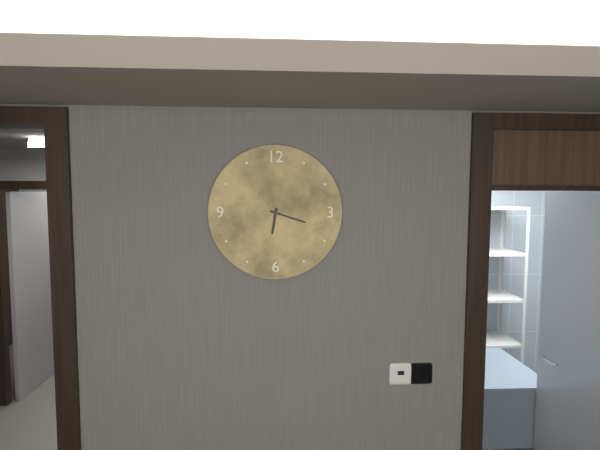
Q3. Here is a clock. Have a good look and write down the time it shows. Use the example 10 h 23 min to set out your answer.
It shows 6 h 18 min
